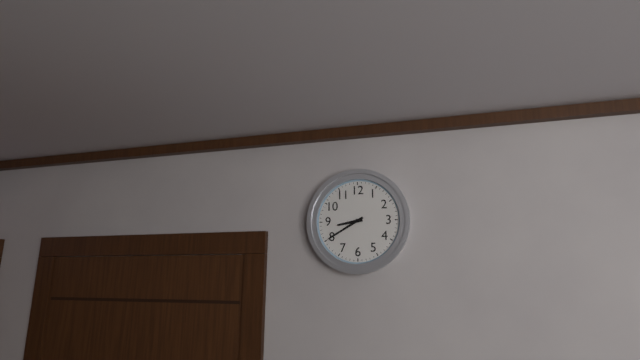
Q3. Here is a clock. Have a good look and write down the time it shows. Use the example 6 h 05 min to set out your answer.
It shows 8 h 40 min
